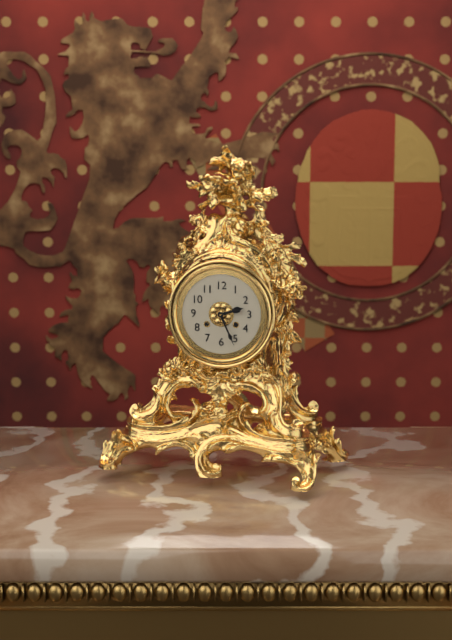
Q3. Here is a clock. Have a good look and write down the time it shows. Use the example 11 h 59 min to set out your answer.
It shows 2 h 26 min
